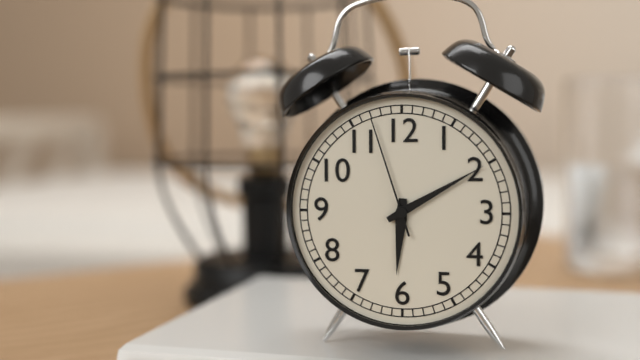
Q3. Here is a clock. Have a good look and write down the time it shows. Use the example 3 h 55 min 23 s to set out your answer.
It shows 6 h 10 min 57 s
